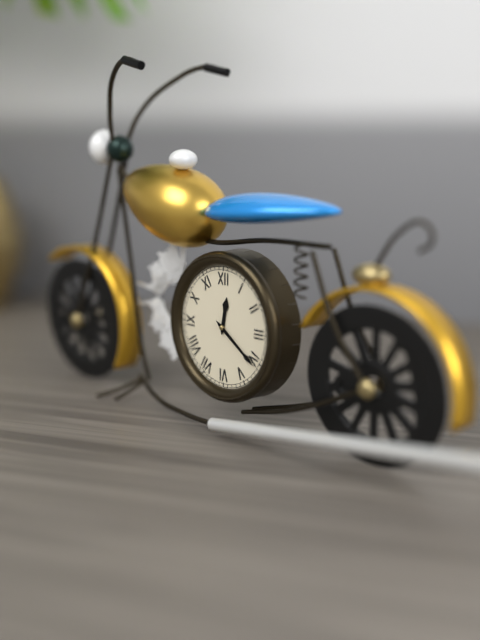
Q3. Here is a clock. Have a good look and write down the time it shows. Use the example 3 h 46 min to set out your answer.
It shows 12 h 21 min
